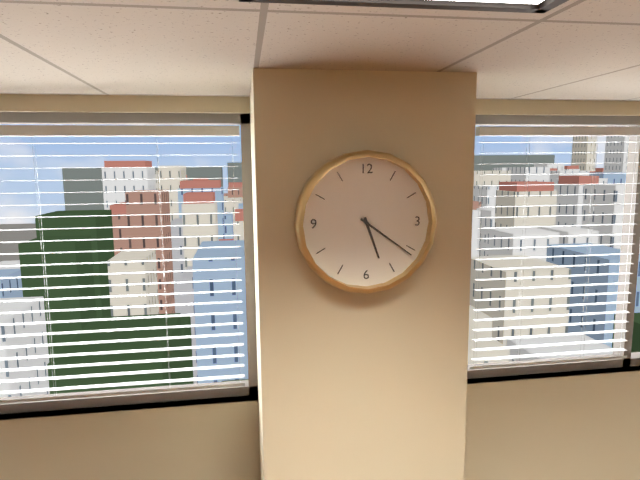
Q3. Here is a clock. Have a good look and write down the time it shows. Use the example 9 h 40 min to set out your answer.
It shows 5 h 21 min
